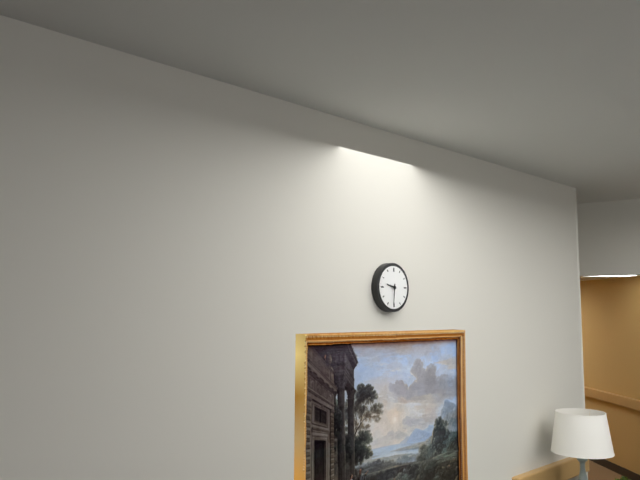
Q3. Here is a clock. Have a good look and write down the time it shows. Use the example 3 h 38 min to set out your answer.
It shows 9 h 31 min
